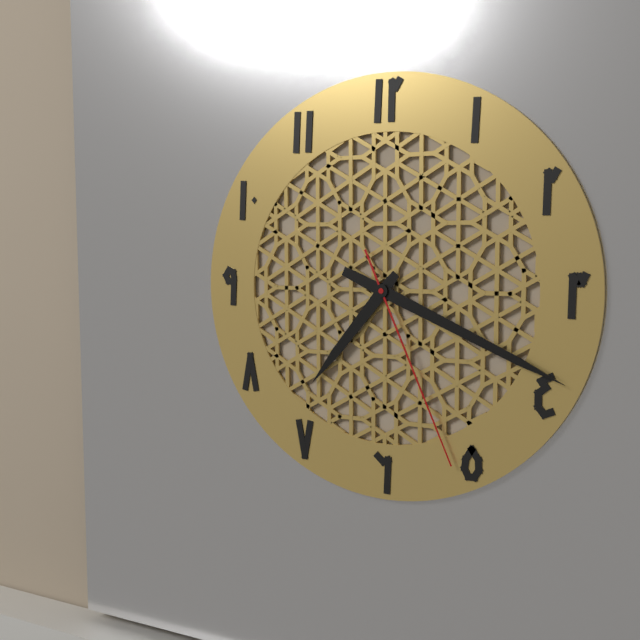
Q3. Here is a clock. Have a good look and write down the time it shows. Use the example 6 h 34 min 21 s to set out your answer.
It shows 7 h 19 min 26 s
